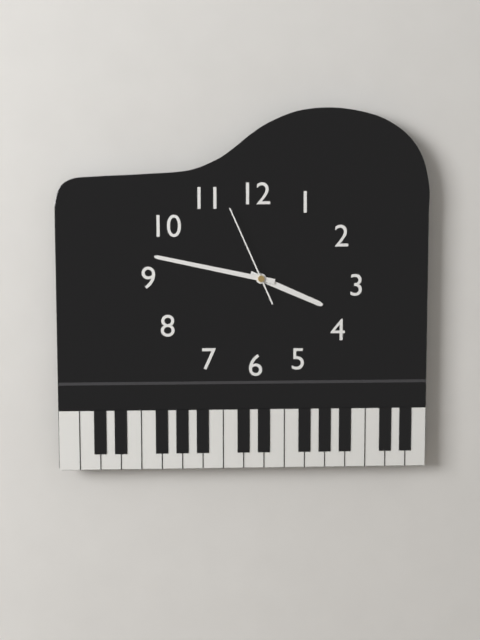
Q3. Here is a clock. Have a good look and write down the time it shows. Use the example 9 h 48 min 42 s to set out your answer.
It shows 3 h 47 min 56 s
